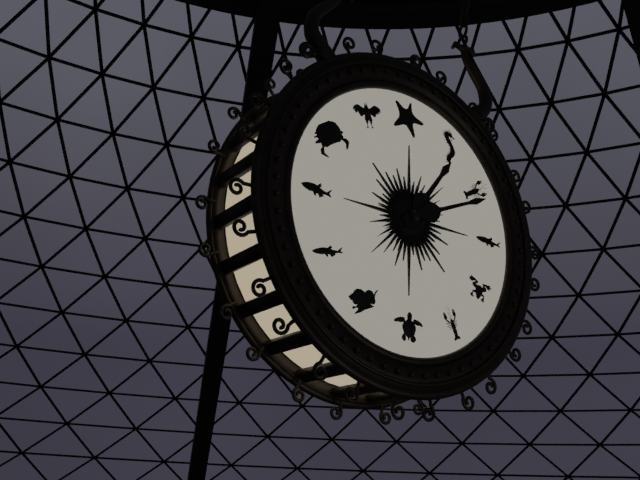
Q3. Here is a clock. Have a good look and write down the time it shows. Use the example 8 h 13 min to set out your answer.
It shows 1 h 11 min
